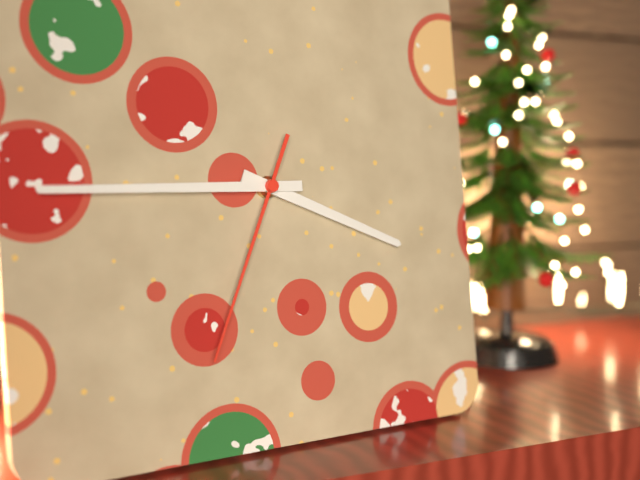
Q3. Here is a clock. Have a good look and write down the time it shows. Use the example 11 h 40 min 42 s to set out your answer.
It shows 3 h 45 min 34 s
